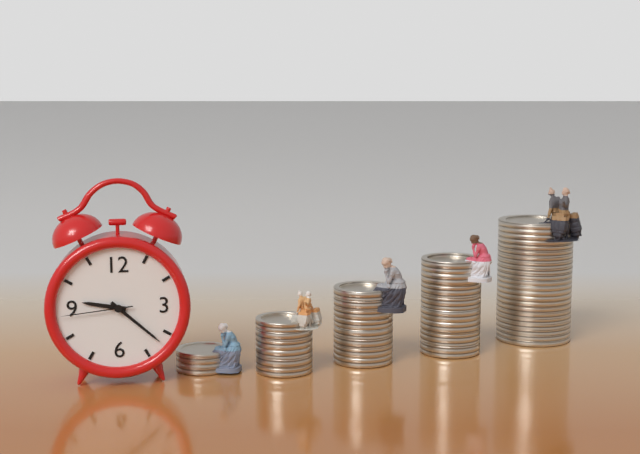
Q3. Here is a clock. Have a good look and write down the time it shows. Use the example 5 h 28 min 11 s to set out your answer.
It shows 9 h 22 min 44 s
